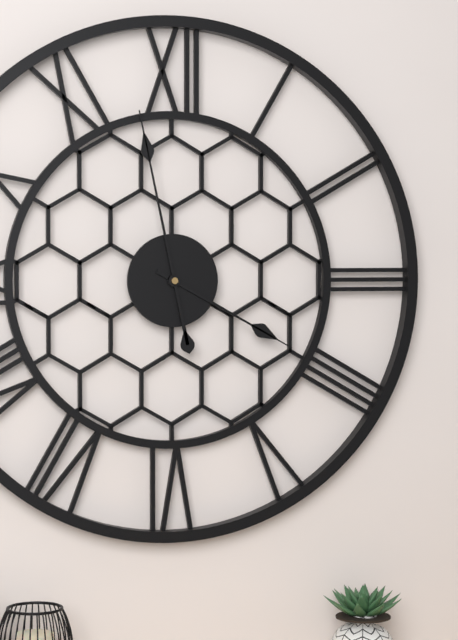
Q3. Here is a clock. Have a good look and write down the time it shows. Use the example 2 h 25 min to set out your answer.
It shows 3 h 58 min
